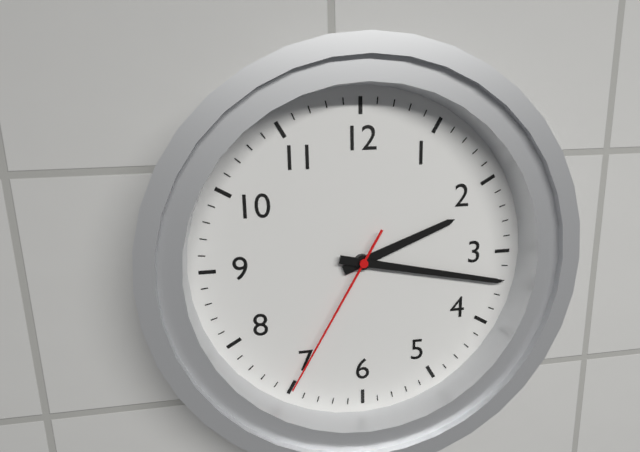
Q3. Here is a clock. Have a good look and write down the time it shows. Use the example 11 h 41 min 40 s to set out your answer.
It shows 2 h 17 min 35 s
